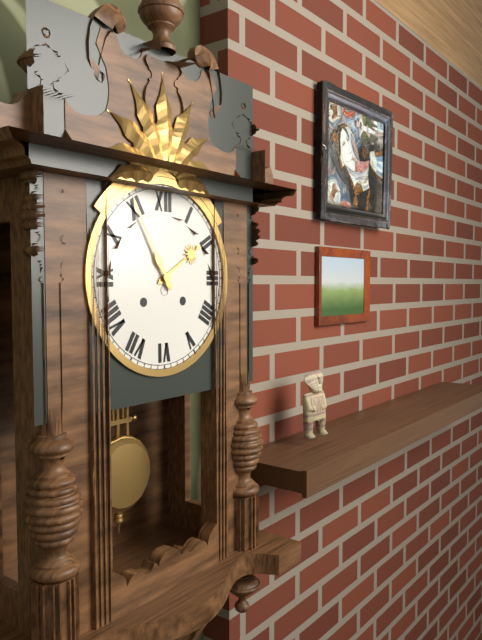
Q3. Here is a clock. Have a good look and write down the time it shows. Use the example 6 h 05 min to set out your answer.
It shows 1 h 55 min
